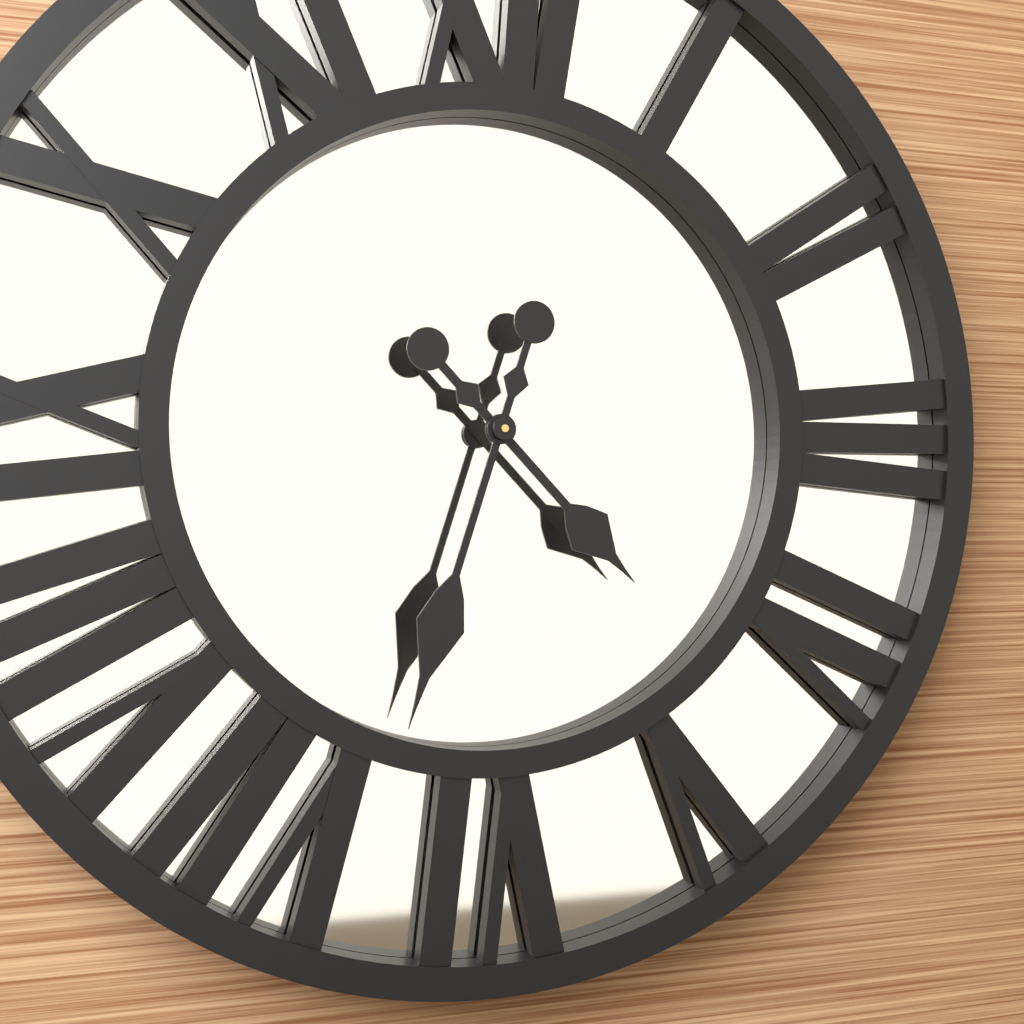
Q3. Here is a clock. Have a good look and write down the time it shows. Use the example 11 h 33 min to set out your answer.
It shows 4 h 33 min
